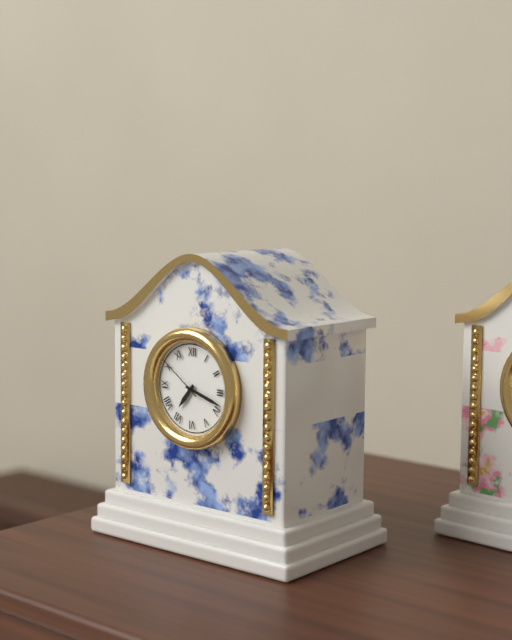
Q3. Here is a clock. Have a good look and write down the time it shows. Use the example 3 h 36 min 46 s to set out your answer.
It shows 7 h 18 min 51 s
